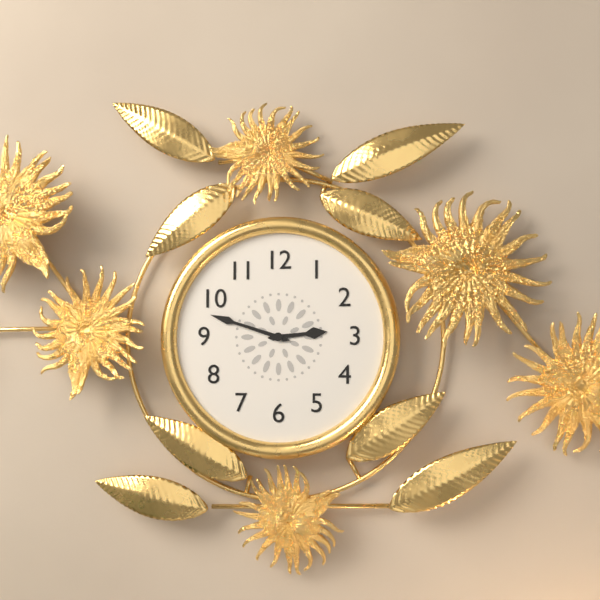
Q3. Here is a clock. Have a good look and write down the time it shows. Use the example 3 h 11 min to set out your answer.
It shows 2 h 48 min
